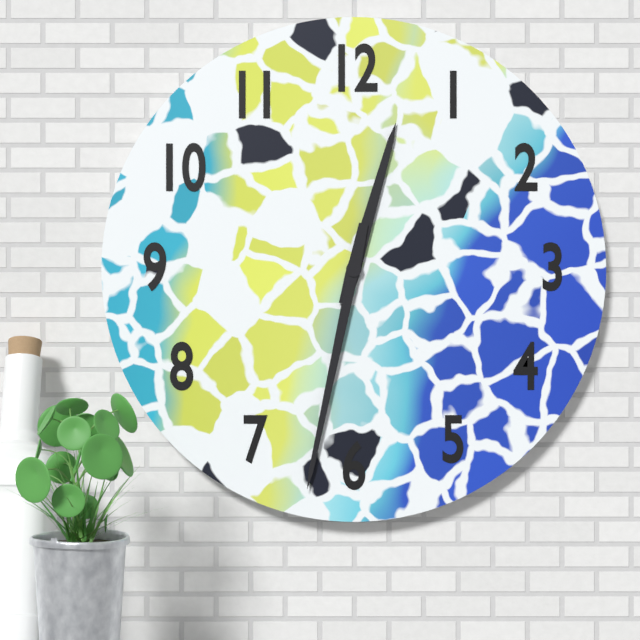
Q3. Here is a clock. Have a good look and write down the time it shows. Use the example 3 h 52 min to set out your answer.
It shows 12 h 32 min
